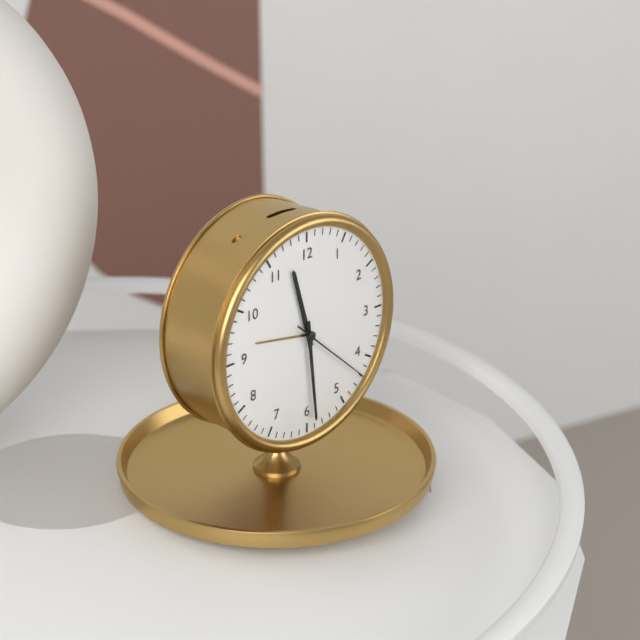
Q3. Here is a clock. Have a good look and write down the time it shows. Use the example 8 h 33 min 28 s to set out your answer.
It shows 11 h 29 min 22 s
